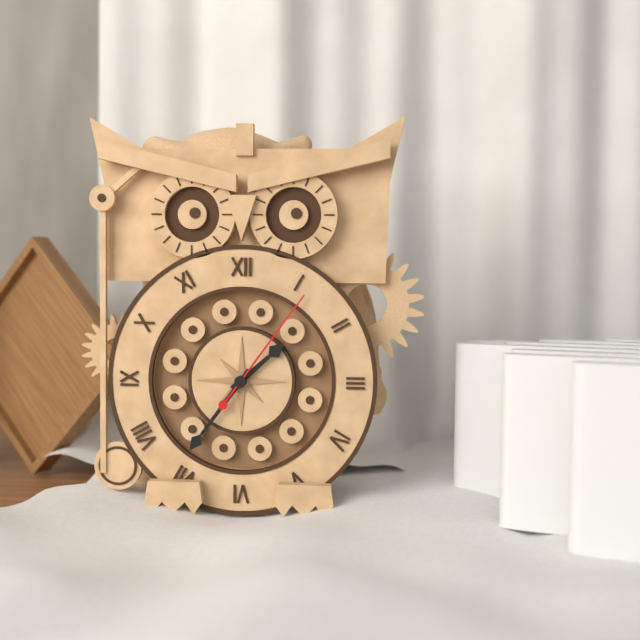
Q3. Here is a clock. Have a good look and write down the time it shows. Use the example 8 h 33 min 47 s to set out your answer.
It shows 1 h 36 min 06 s
